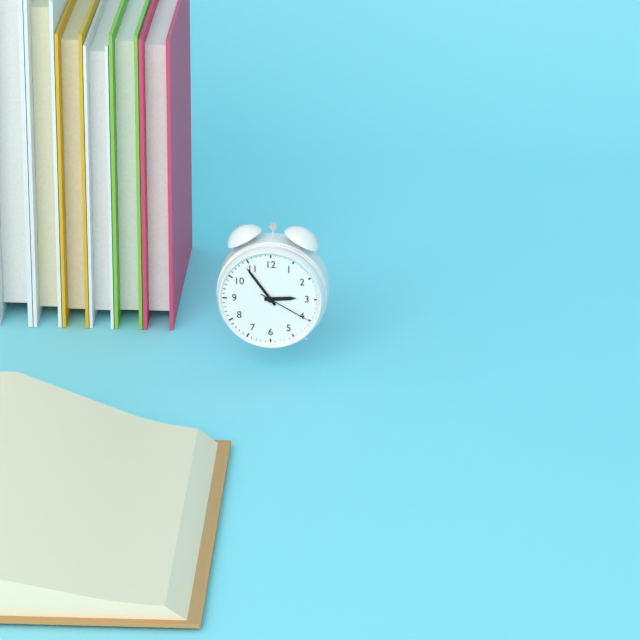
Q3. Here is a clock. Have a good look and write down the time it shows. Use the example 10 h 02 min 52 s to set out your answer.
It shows 2 h 54 min 20 s
